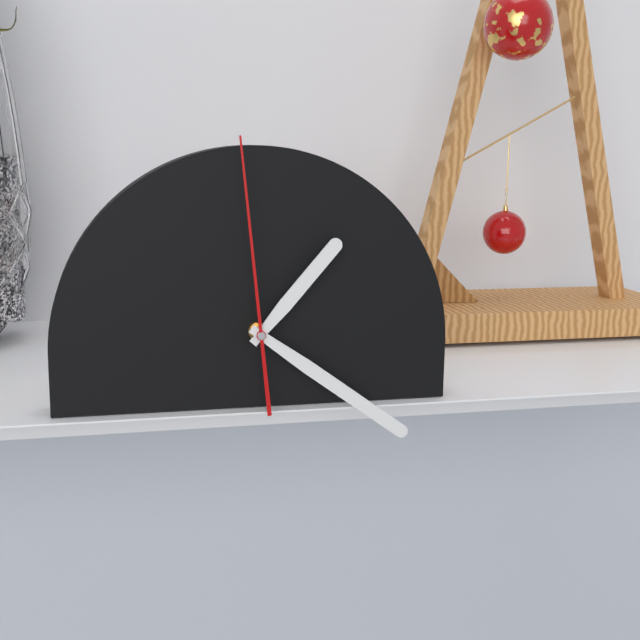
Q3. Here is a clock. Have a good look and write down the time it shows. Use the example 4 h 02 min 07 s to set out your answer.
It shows 1 h 21 min 59 s
